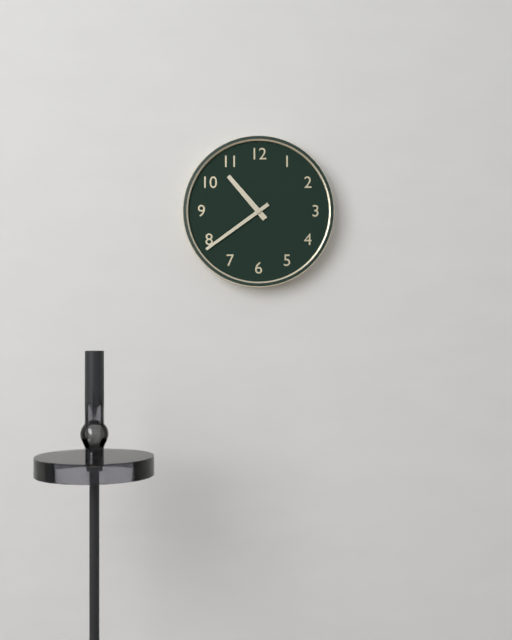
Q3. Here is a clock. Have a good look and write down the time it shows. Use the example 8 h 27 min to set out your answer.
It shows 10 h 39 min
